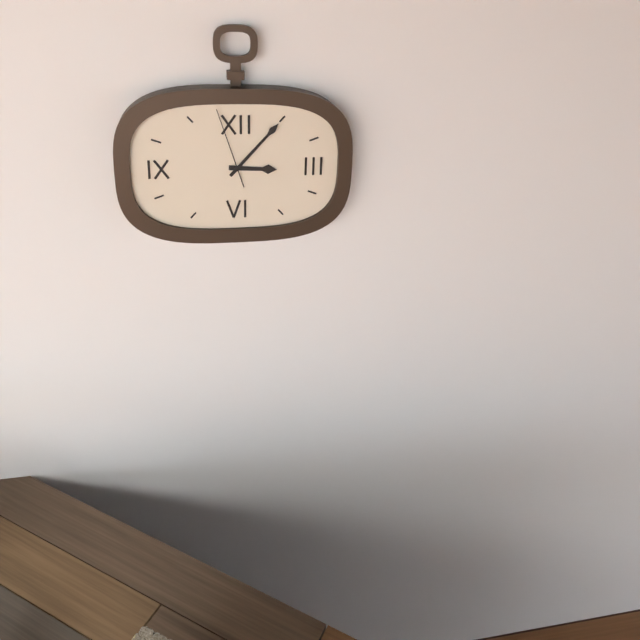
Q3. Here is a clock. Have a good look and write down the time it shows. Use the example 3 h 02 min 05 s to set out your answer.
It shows 3 h 07 min 57 s
